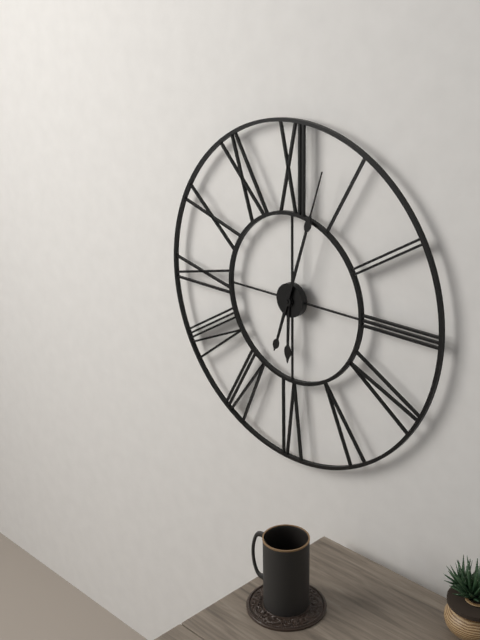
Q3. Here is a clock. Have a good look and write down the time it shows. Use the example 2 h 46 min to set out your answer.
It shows 6 h 03 min
